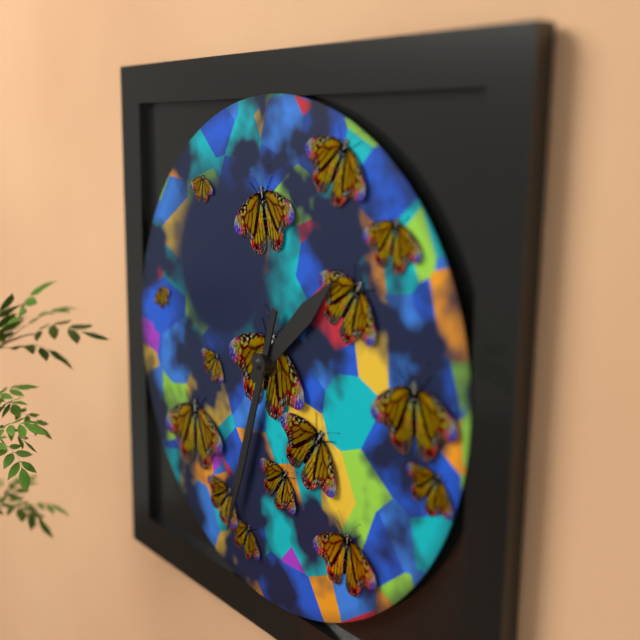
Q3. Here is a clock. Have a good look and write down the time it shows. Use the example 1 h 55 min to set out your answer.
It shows 1 h 33 min
